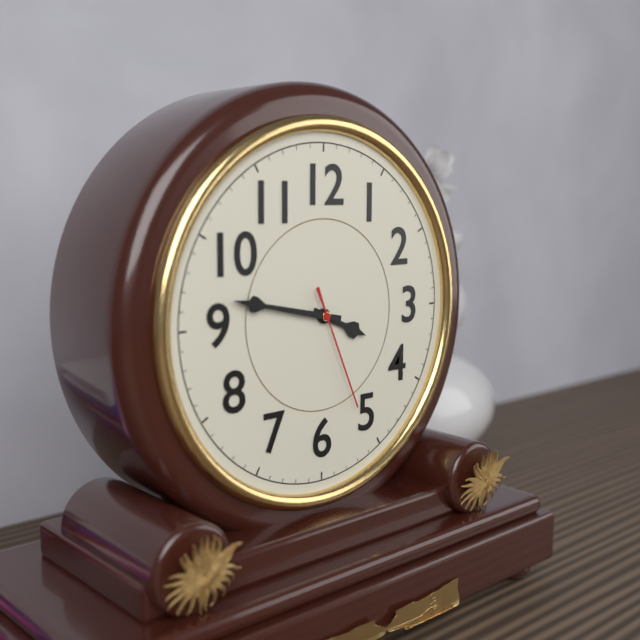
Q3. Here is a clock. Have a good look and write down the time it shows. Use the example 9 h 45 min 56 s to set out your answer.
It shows 3 h 47 min 26 s
